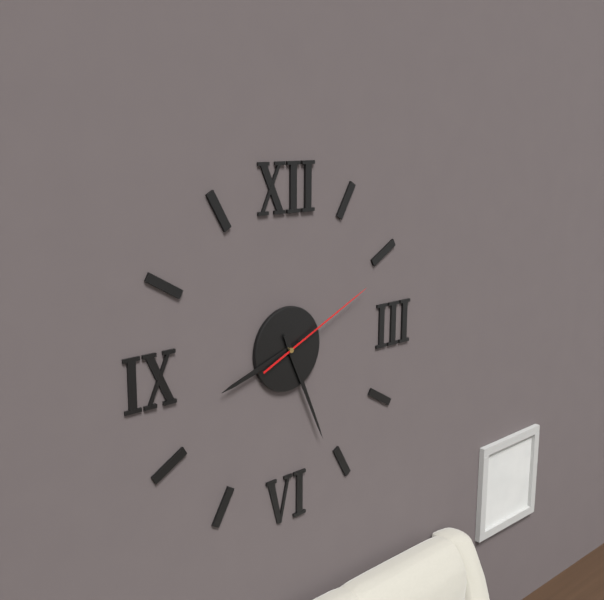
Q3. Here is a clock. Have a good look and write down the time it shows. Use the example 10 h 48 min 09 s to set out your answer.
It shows 8 h 26 min 11 s
